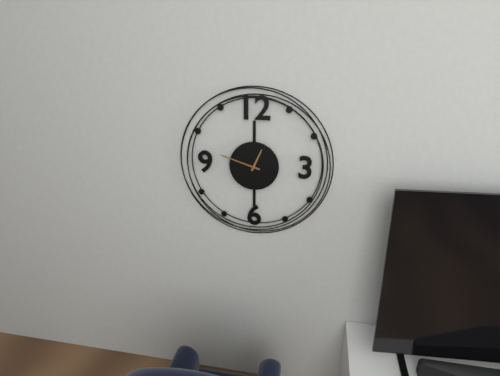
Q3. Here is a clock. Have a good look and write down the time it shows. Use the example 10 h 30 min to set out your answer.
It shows 12 h 48 min
